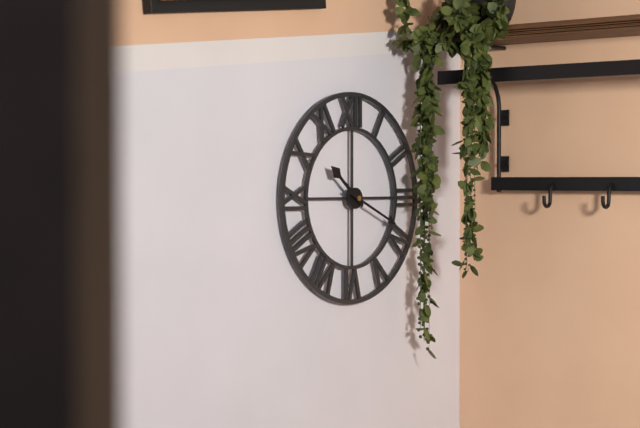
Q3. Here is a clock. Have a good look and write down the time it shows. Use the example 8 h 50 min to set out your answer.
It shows 10 h 19 min
